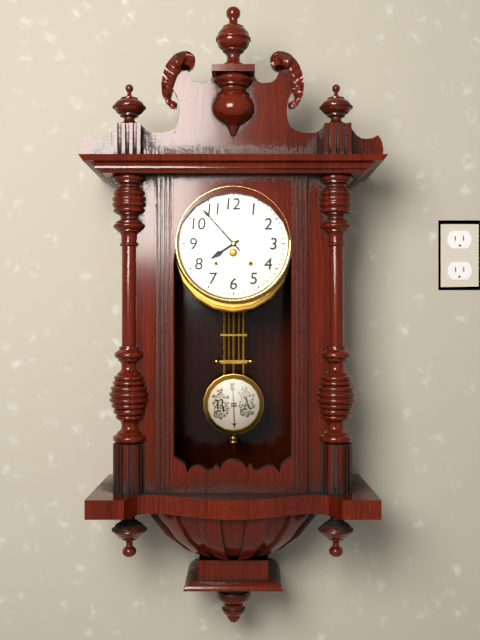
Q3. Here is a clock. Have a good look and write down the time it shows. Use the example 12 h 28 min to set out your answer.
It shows 7 h 53 min
